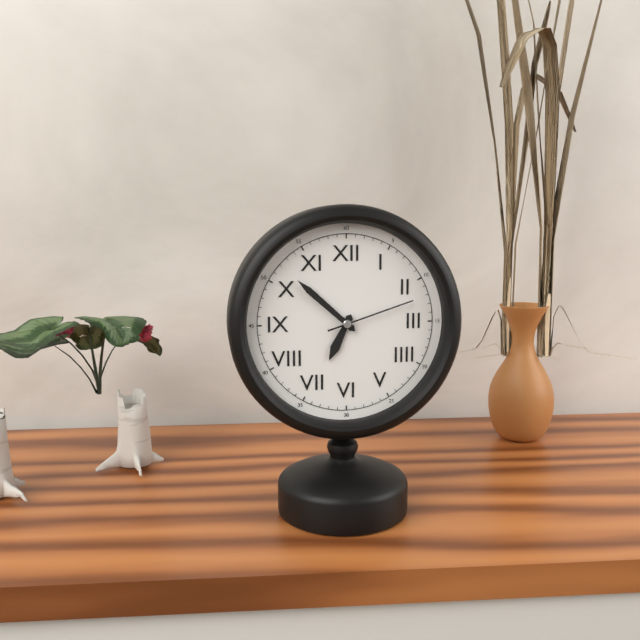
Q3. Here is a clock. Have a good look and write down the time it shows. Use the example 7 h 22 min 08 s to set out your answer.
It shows 6 h 52 min 12 s
